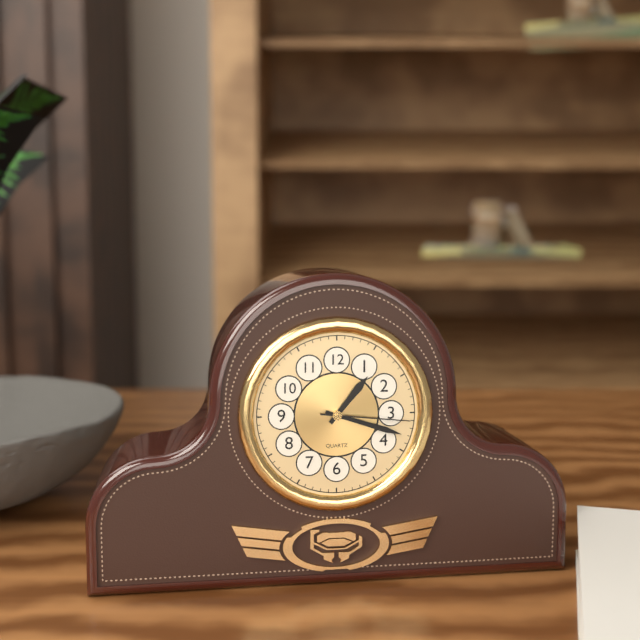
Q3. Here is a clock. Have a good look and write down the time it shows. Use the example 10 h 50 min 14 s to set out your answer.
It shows 1 h 18 min 16 s
